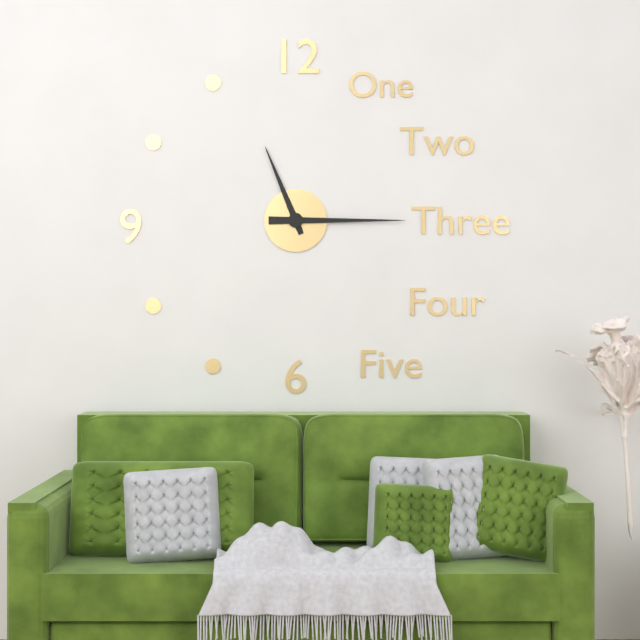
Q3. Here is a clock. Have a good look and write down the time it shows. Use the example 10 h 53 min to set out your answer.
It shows 11 h 15 min
